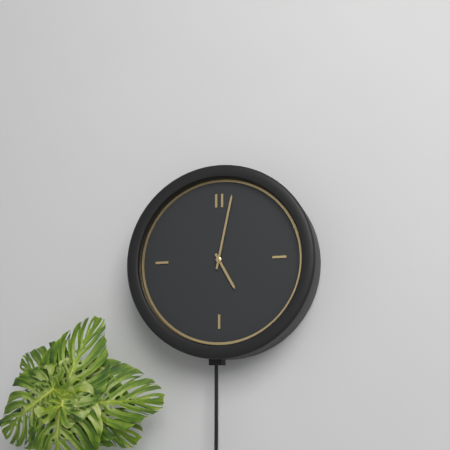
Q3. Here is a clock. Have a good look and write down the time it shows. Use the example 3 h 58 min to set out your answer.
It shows 5 h 02 min
